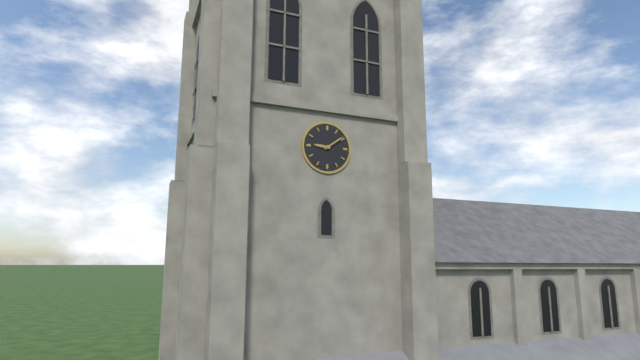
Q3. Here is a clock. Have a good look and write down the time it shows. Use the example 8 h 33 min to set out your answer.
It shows 9 h 09 min
